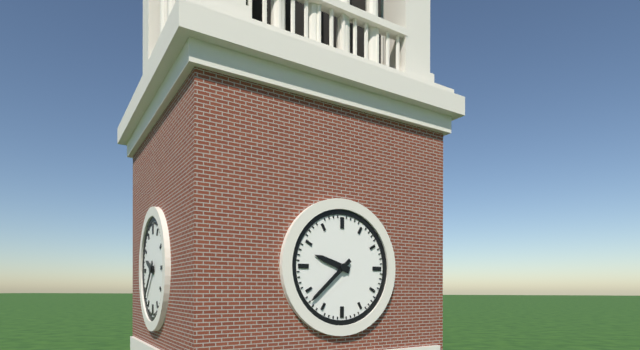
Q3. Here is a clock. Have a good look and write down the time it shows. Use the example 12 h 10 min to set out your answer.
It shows 9 h 38 min
